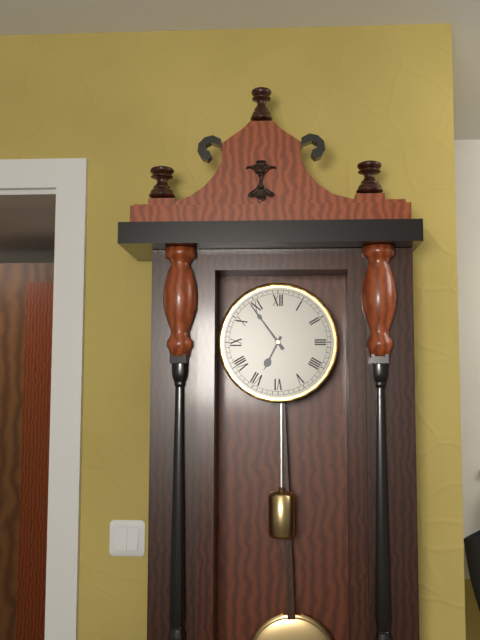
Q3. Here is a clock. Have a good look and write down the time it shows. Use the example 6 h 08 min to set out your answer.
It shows 6 h 54 min
